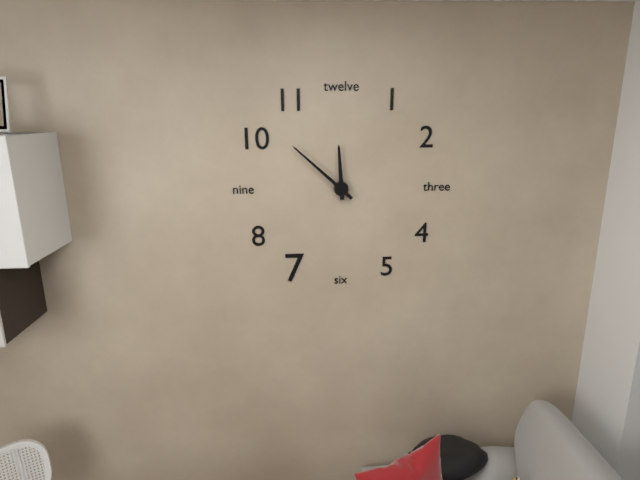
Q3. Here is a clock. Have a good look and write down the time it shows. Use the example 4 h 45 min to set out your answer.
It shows 11 h 52 min
